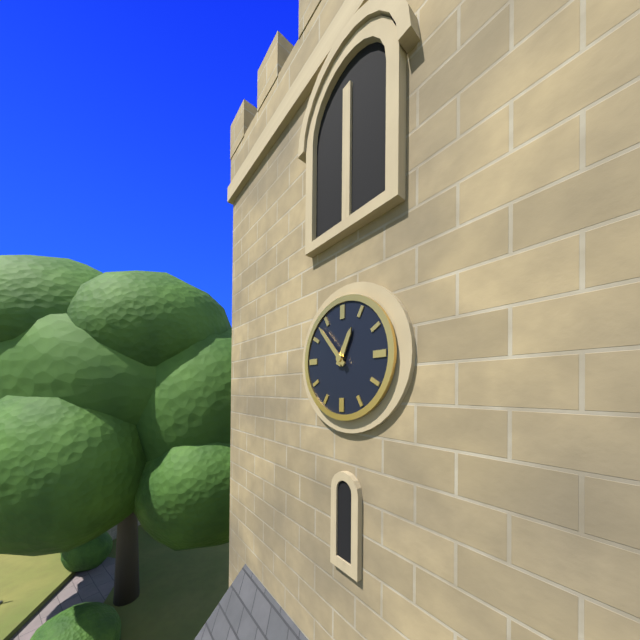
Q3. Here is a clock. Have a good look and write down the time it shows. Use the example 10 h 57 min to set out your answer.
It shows 12 h 53 min
